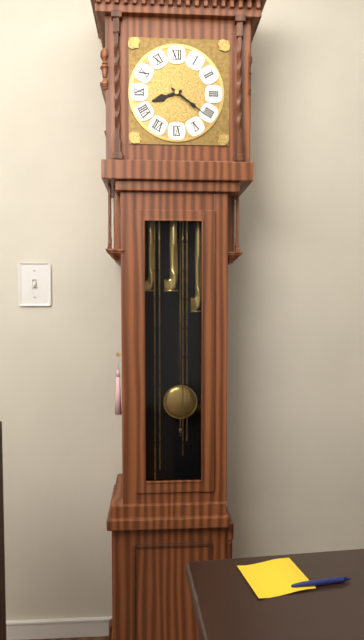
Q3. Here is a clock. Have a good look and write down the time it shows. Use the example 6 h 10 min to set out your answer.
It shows 8 h 21 min
